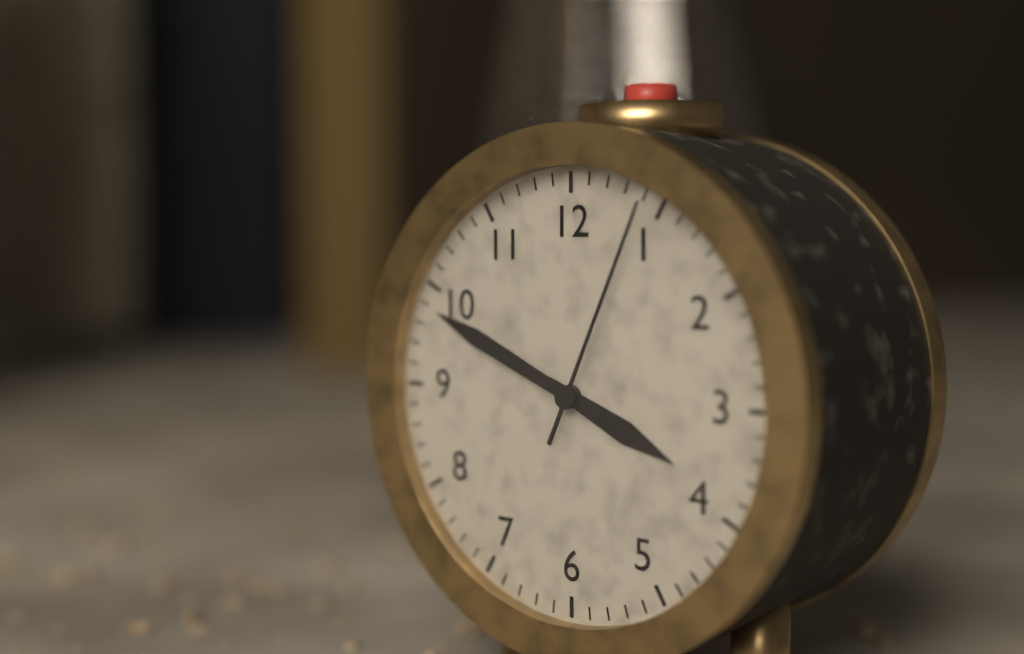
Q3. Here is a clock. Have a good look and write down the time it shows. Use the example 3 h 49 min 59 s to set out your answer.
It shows 3 h 49 min 04 s
